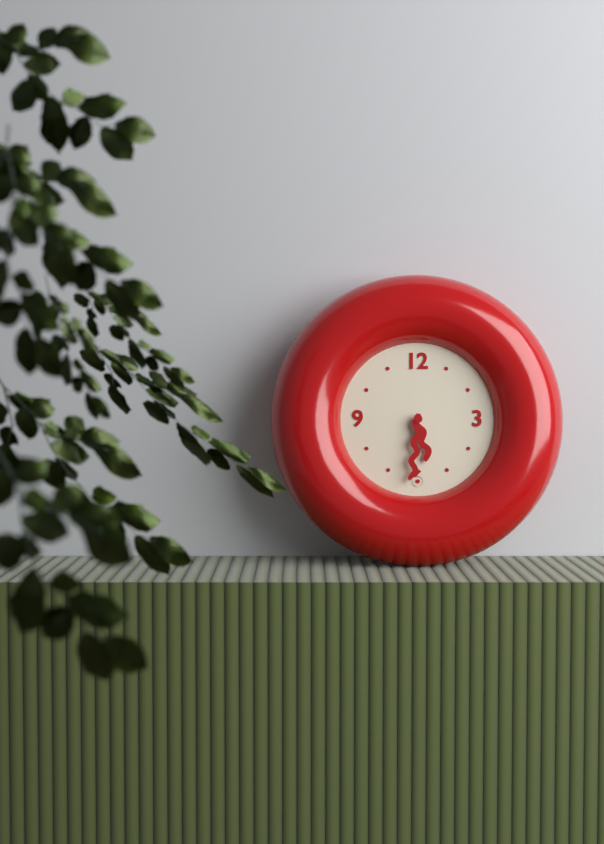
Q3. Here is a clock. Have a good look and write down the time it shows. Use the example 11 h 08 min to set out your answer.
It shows 5 h 31 min
